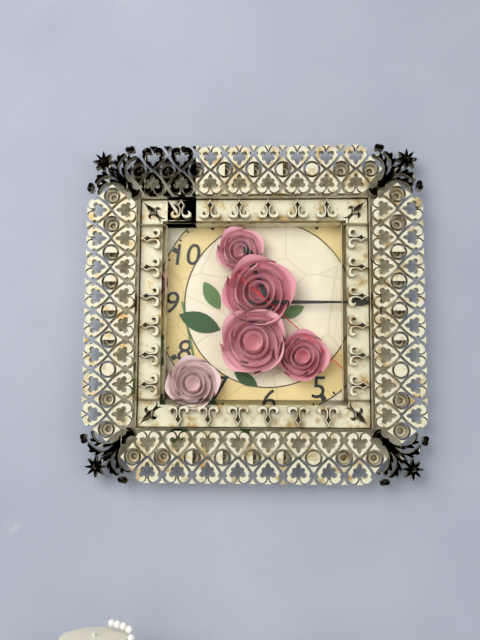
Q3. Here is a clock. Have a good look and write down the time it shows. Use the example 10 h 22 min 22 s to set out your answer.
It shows 11 h 15 min 22 s
